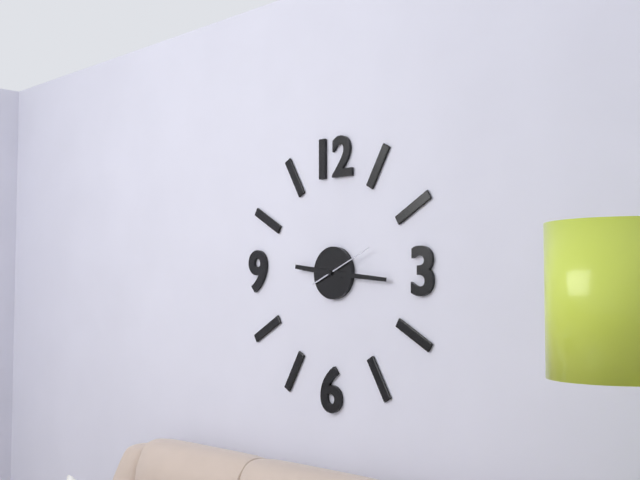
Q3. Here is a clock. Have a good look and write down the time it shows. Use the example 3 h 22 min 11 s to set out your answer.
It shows 9 h 16 min 11 s
